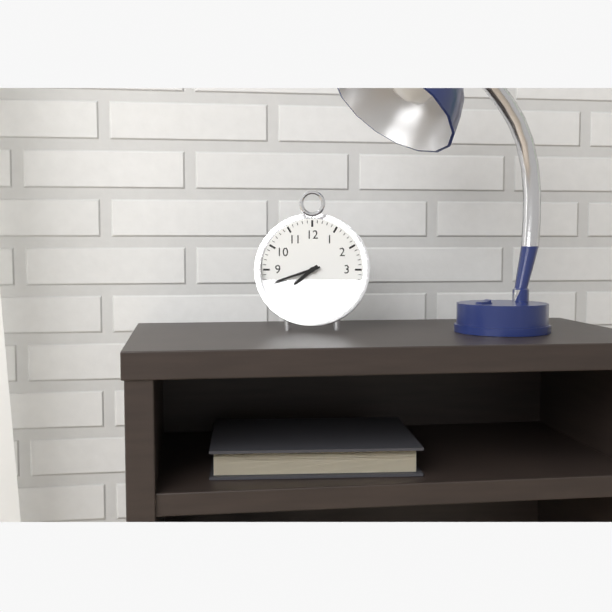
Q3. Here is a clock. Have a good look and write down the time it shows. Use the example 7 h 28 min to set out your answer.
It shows 7 h 42 min
